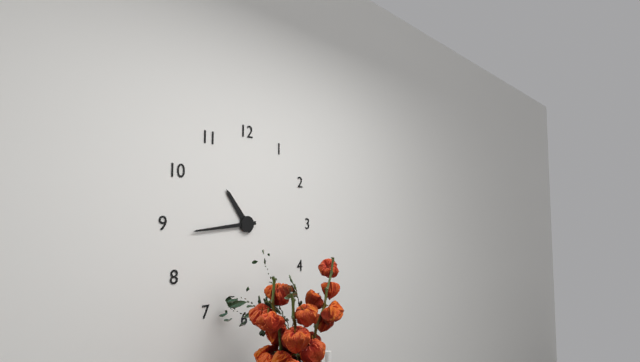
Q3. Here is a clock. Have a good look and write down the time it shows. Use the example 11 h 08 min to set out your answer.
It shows 10 h 44 min
